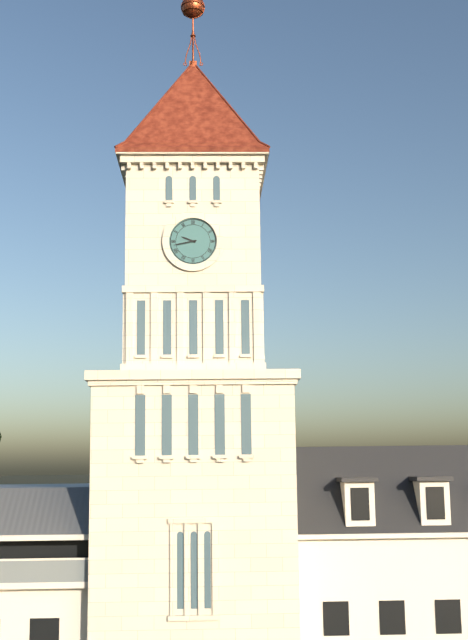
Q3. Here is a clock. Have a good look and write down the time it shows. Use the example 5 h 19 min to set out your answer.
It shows 9 h 43 min
